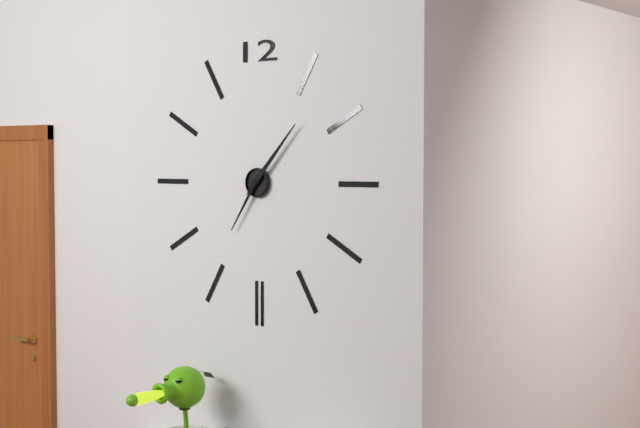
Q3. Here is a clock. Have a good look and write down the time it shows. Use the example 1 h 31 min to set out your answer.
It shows 7 h 07 min
